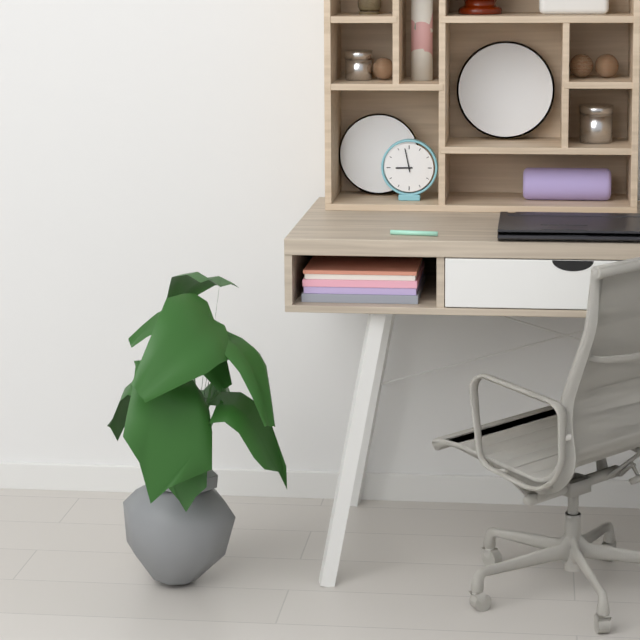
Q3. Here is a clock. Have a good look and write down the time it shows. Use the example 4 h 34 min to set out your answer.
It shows 8 h 58 min
